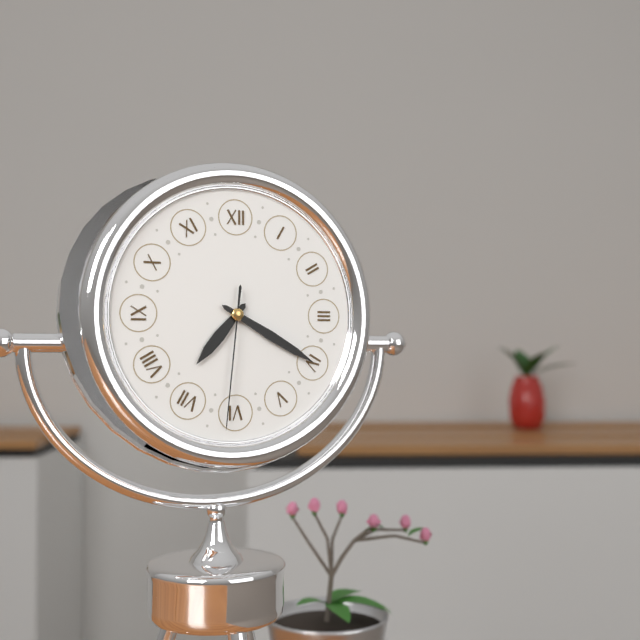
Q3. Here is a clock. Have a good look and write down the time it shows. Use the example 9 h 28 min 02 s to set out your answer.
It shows 7 h 20 min 31 s
